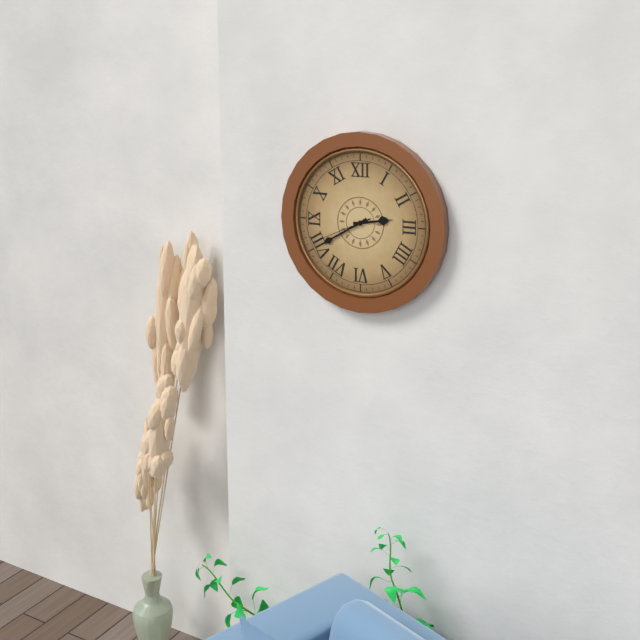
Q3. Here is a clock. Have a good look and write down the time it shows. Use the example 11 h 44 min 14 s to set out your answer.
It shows 2 h 40 min 41 s
